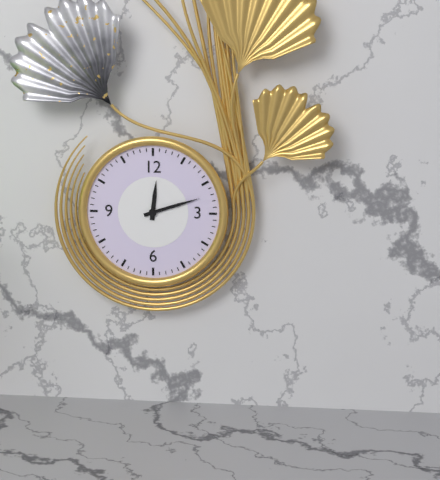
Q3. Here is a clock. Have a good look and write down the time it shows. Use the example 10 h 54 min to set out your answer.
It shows 12 h 12 min
